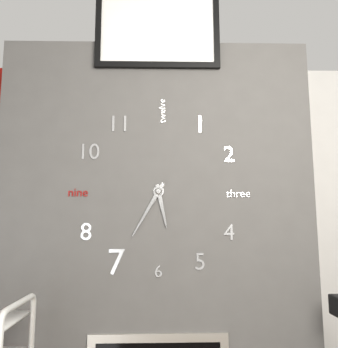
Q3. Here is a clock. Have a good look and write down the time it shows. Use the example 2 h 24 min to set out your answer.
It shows 5 h 35 min
